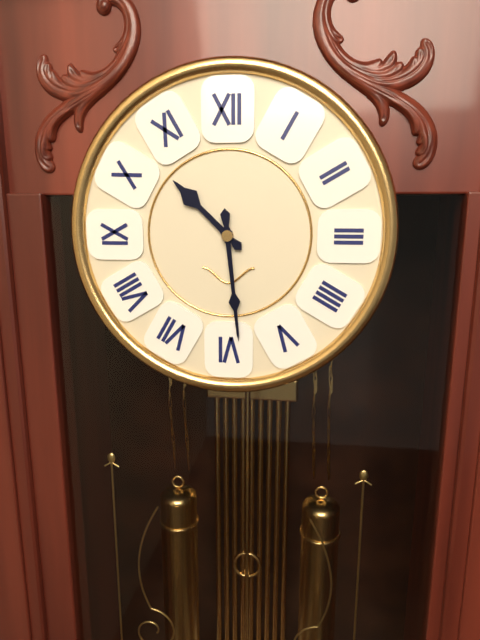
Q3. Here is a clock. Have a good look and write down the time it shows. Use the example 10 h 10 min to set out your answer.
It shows 10 h 29 min
